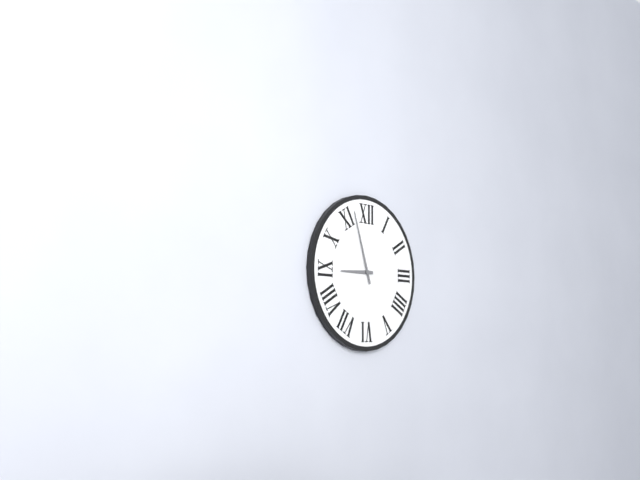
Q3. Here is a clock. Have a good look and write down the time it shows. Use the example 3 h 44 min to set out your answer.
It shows 8 h 57 min
